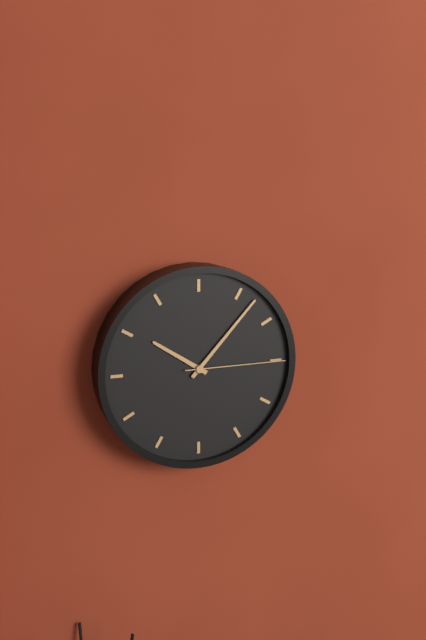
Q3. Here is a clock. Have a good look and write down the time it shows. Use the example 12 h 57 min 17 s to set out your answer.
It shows 10 h 07 min 15 s
